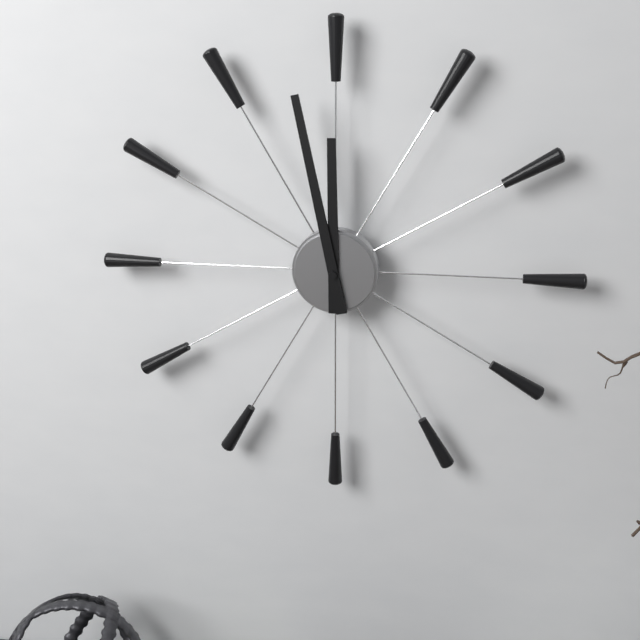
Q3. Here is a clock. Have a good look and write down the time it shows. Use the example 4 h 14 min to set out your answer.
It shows 11 h 58 min
